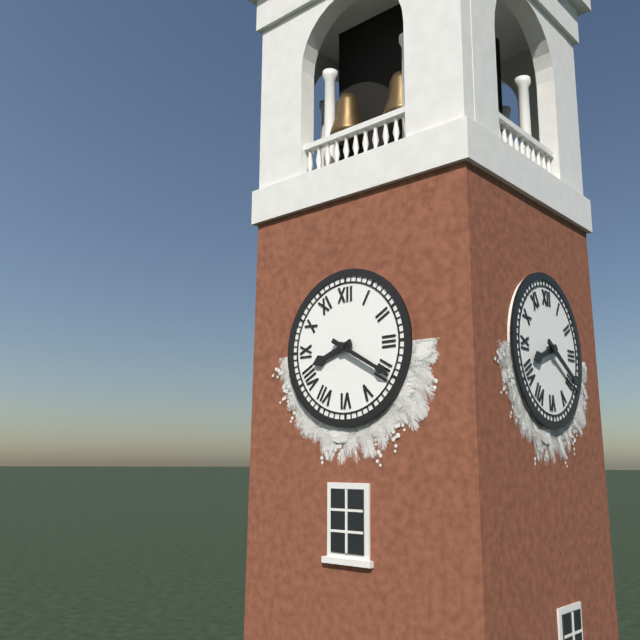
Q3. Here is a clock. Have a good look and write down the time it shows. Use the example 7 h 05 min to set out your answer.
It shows 8 h 20 min
